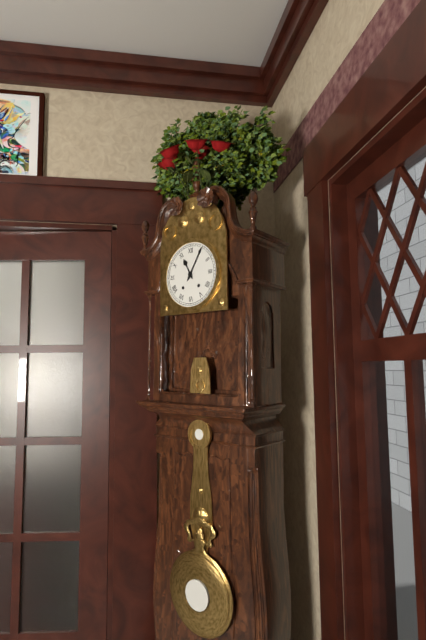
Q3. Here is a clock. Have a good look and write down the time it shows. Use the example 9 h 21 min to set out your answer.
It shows 11 h 05 min
